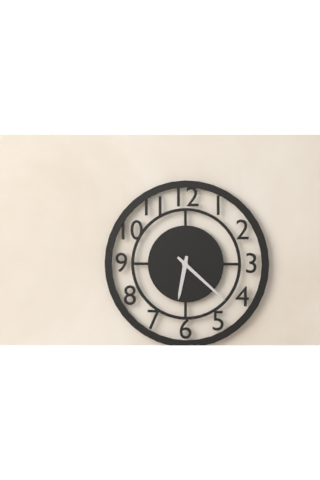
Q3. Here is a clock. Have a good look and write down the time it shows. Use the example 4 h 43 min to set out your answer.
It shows 6 h 22 min
